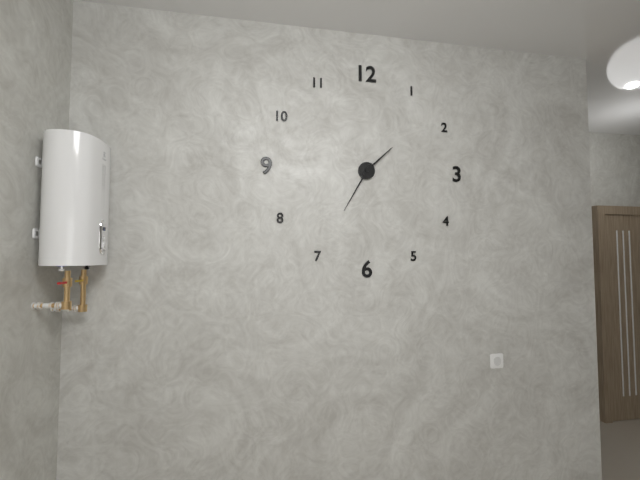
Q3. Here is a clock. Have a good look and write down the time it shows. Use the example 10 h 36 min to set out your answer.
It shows 1 h 35 min
